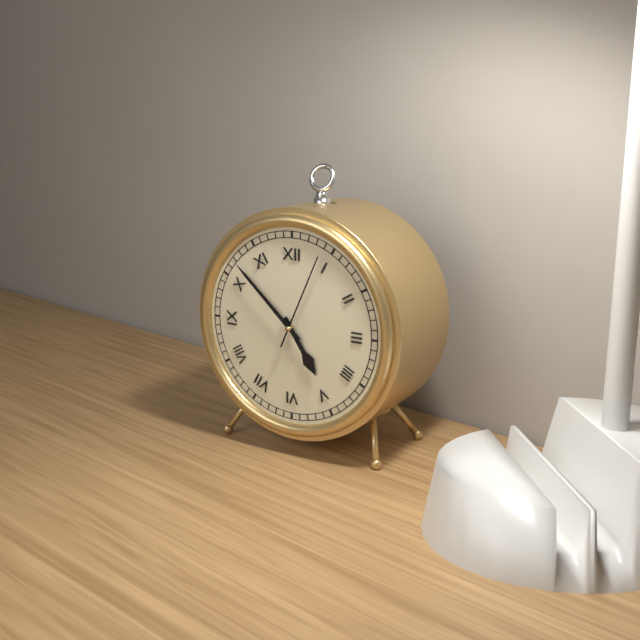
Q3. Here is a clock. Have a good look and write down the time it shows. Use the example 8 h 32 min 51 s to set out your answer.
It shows 4 h 52 min 04 s
